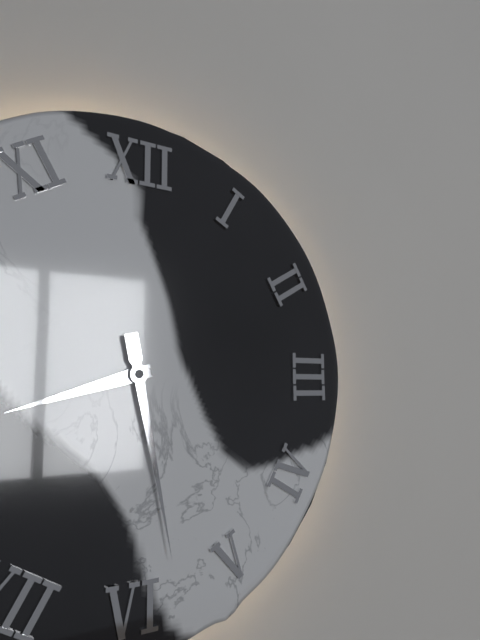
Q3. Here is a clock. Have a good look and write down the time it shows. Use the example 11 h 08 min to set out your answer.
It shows 8 h 28 min
